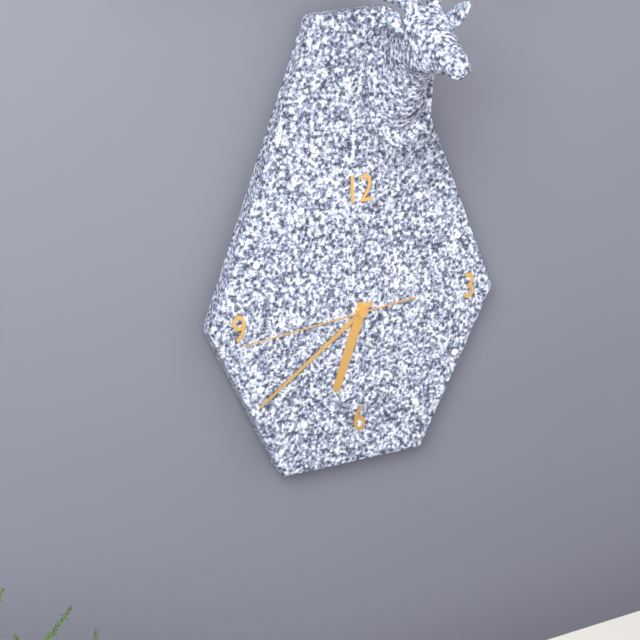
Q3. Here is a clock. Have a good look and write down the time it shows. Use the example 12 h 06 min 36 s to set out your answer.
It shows 6 h 39 min 44 s
